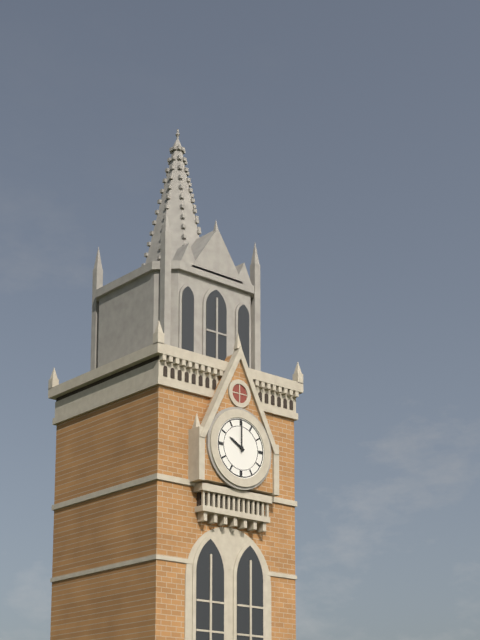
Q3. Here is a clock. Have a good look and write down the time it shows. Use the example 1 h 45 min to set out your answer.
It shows 10 h 00 min
